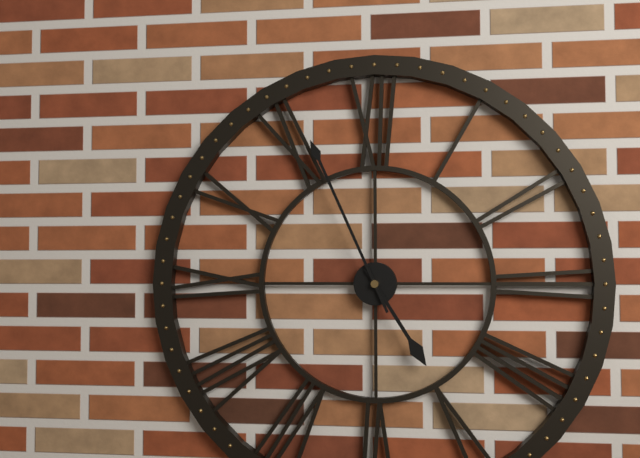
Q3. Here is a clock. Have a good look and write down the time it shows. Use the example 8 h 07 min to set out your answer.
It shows 4 h 56 min
